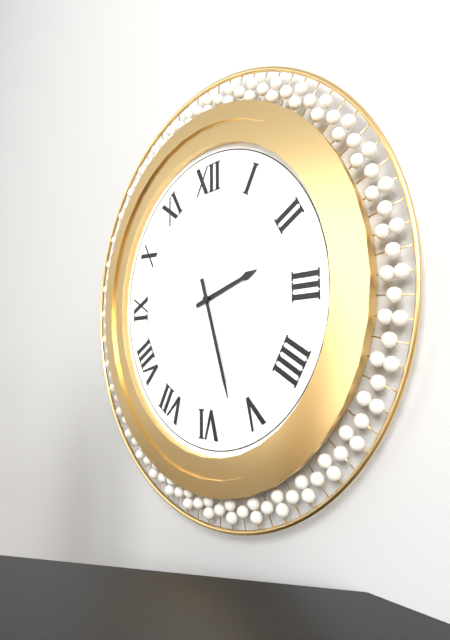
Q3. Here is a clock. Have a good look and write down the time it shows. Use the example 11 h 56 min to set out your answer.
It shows 2 h 27 min
